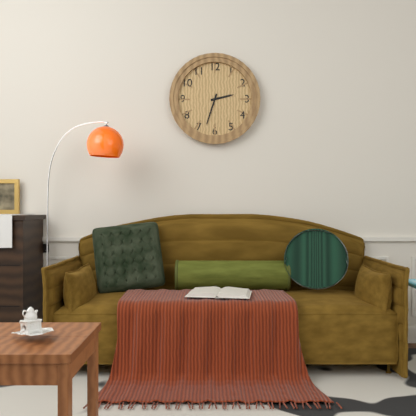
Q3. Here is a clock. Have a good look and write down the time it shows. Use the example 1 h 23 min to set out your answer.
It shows 2 h 33 min
